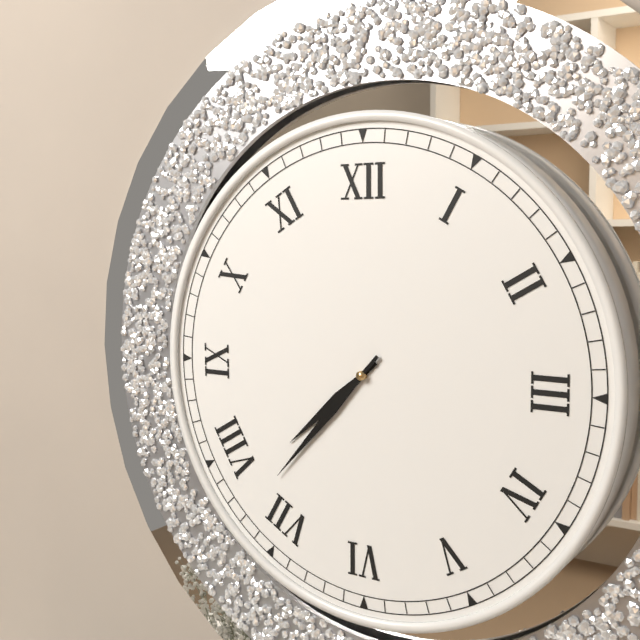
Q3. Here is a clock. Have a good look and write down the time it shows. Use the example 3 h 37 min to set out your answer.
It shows 7 h 37 min
